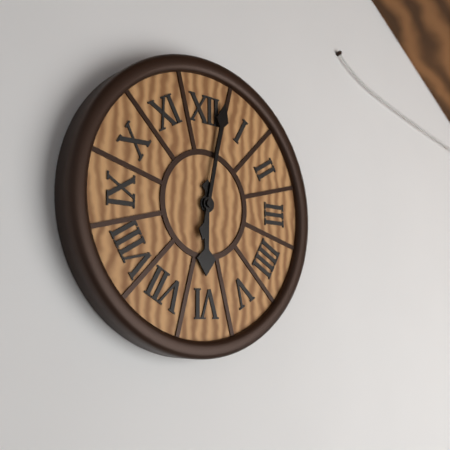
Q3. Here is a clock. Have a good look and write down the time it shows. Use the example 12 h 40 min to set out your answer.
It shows 6 h 02 min
